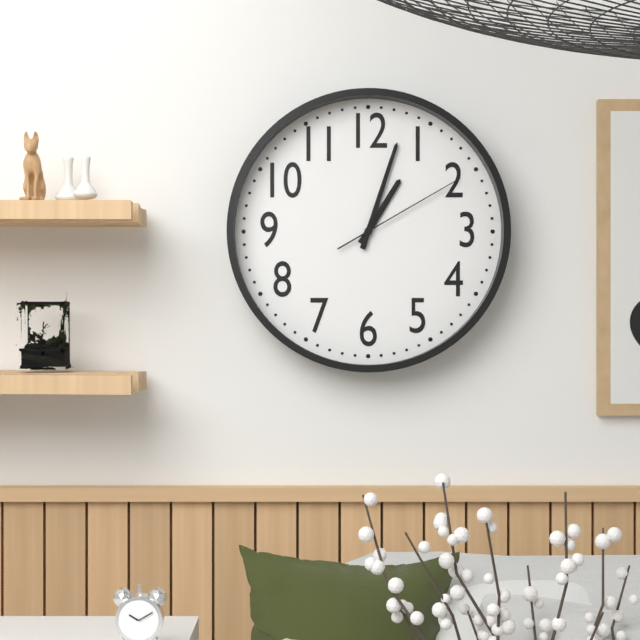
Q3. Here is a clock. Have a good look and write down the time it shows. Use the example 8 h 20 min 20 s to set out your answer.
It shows 1 h 03 min 10 s
